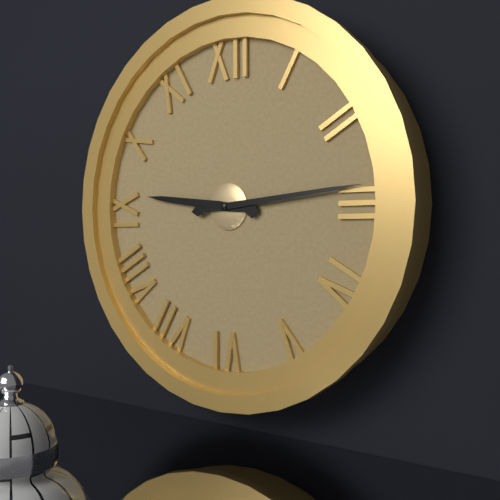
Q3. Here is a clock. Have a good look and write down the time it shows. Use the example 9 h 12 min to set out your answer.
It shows 9 h 14 min
